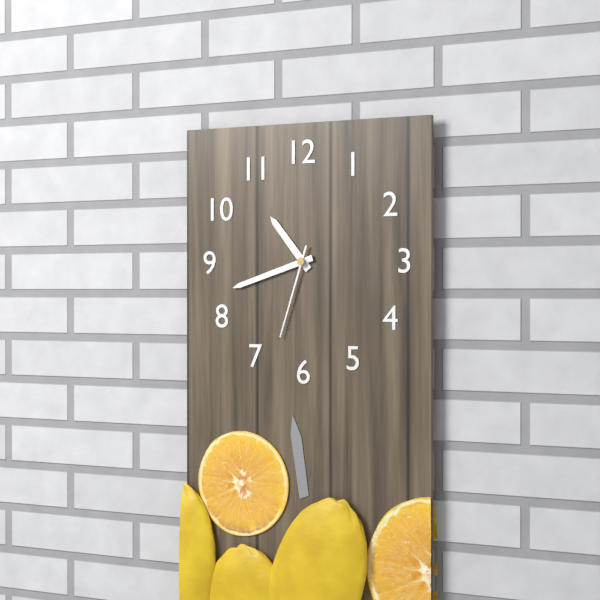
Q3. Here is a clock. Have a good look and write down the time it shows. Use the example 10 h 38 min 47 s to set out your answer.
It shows 10 h 42 min 33 s
